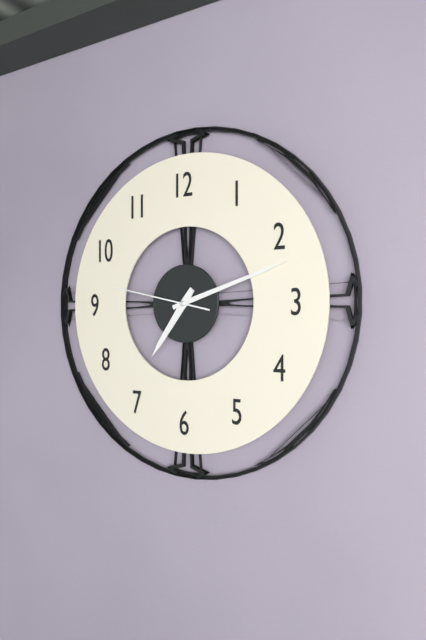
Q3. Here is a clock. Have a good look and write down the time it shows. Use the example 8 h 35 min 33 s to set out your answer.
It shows 7 h 12 min 47 s
